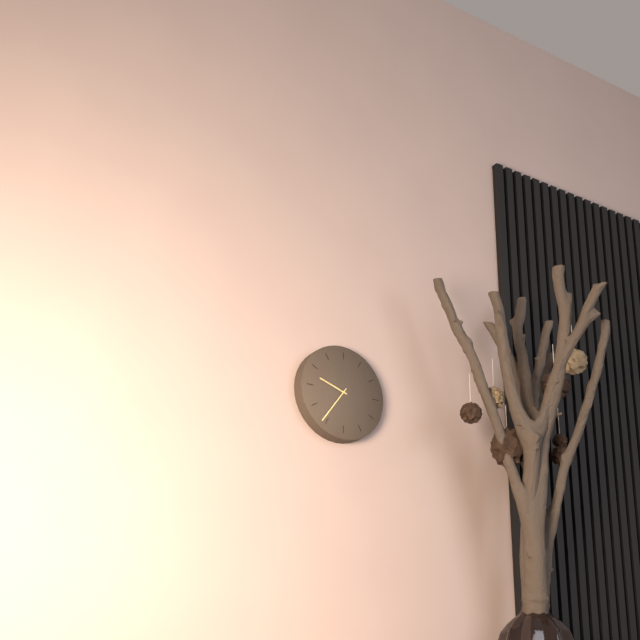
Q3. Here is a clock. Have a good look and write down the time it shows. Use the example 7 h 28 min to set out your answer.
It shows 9 h 36 min
